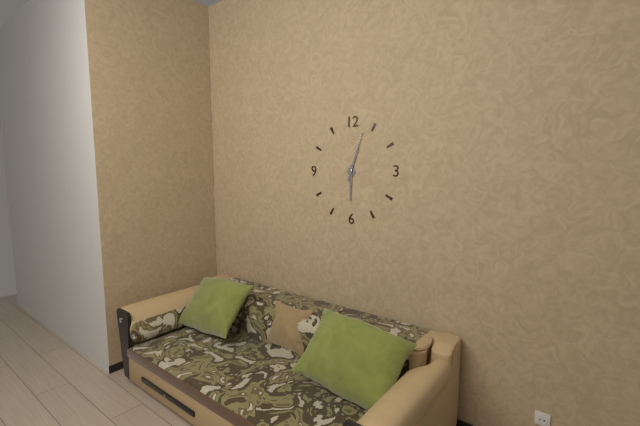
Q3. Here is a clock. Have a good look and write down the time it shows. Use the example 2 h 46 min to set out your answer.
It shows 6 h 03 min
